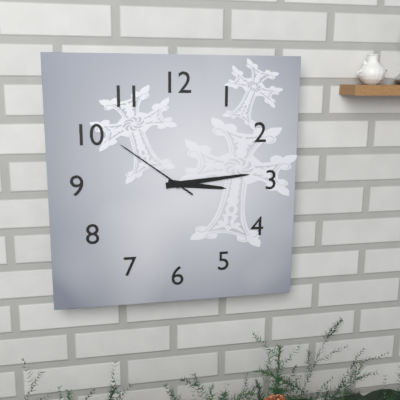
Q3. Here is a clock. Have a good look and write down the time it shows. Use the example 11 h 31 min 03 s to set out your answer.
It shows 3 h 14 min 51 s
